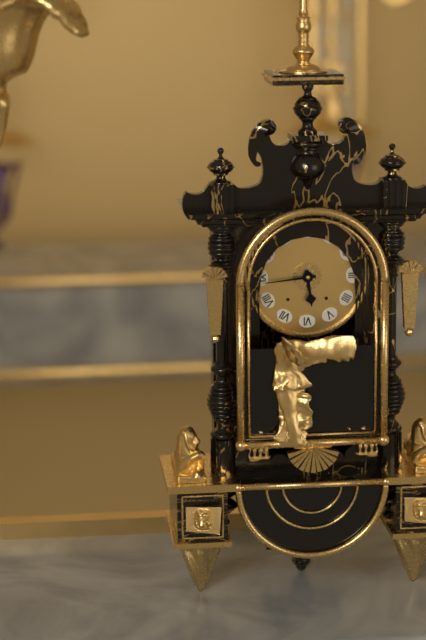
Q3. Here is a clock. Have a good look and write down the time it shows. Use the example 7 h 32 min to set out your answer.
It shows 5 h 44 min
